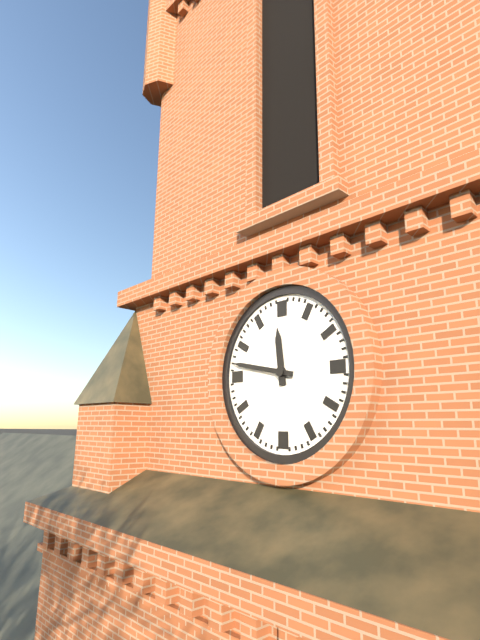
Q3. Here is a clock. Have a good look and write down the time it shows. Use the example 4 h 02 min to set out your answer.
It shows 11 h 47 min
